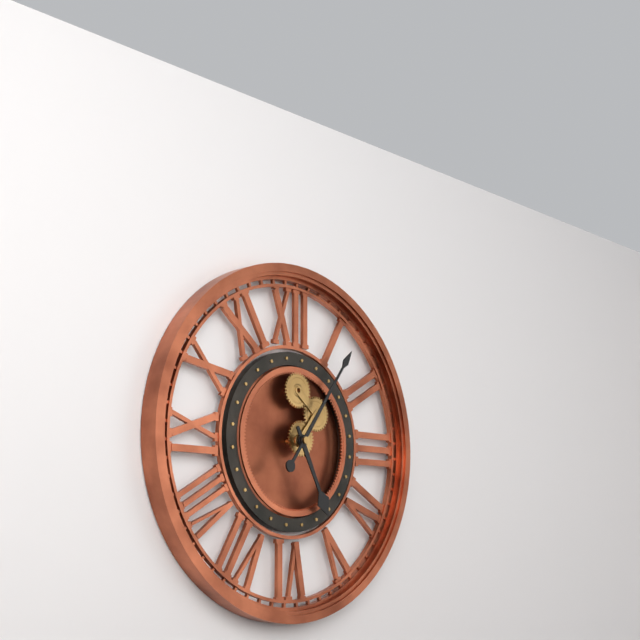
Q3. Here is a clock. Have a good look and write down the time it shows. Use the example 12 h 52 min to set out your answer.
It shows 5 h 06 min
